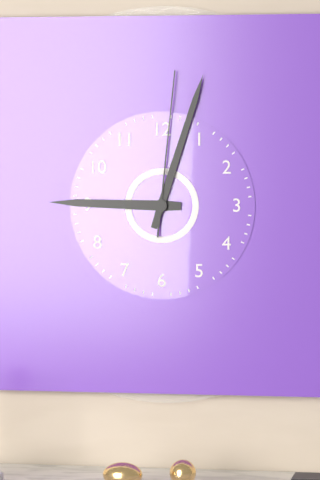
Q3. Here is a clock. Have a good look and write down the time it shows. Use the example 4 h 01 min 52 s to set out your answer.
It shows 9 h 03 min 01 s
